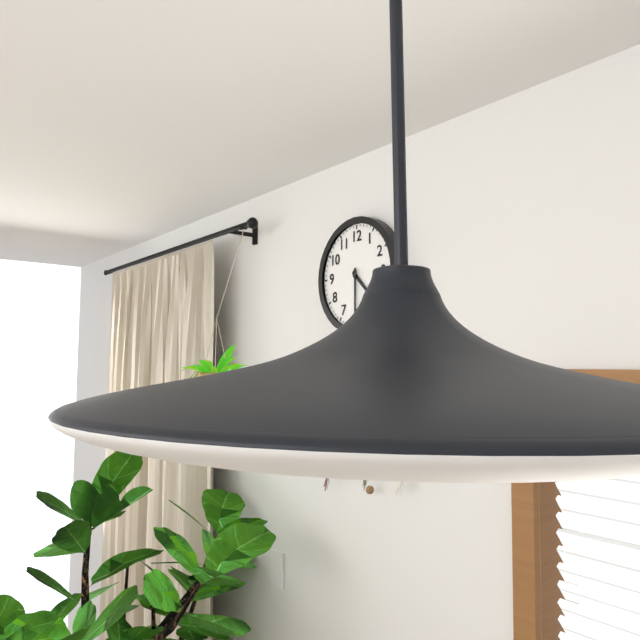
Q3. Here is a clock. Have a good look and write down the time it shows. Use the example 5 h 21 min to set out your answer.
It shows 4 h 30 min
